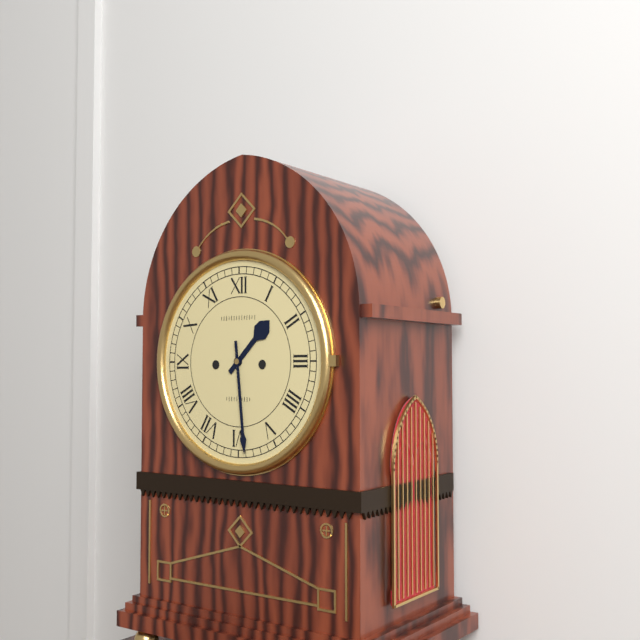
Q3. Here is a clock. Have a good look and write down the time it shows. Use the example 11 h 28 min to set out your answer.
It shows 1 h 29 min
